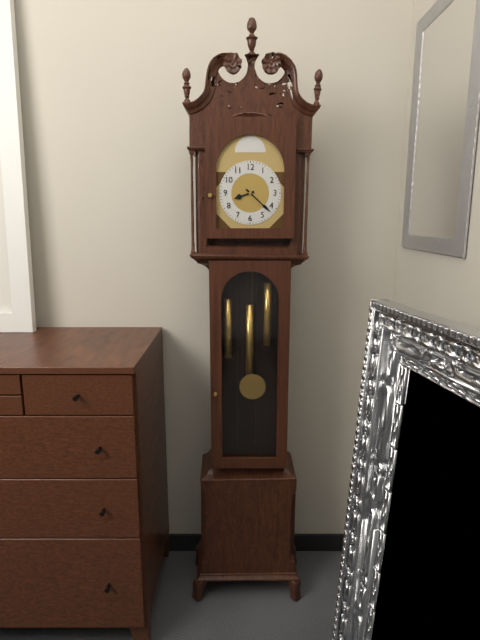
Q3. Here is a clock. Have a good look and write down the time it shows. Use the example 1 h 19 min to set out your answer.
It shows 8 h 22 min
